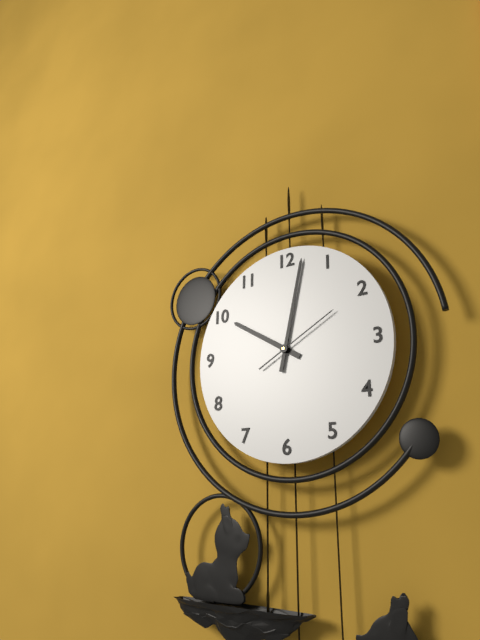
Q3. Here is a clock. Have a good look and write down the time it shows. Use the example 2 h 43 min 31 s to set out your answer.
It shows 10 h 02 min 10 s
